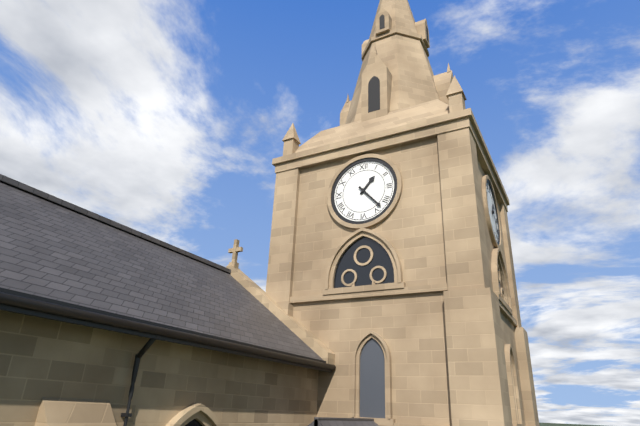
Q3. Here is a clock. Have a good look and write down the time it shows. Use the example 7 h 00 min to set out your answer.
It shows 1 h 23 min
